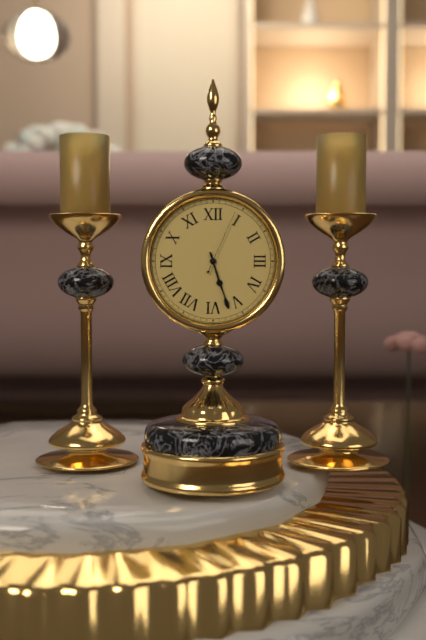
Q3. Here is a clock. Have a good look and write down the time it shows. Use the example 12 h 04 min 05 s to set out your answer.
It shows 5 h 27 min 04 s
